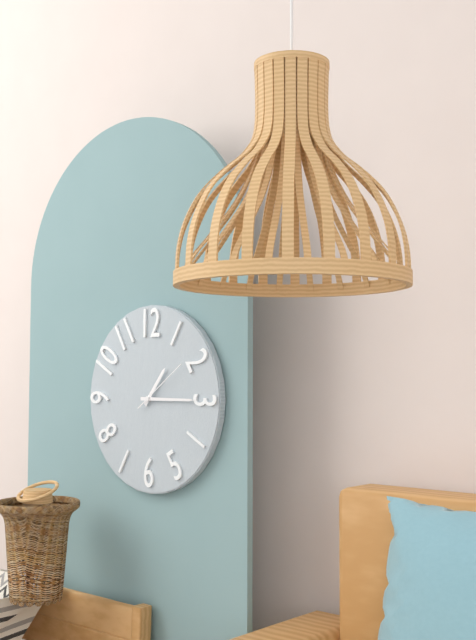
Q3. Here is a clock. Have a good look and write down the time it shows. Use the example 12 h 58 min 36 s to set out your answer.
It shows 1 h 15 min 09 s
